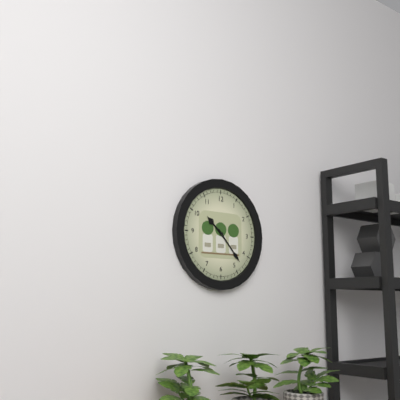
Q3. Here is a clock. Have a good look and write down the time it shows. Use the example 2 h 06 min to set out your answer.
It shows 10 h 23 min
